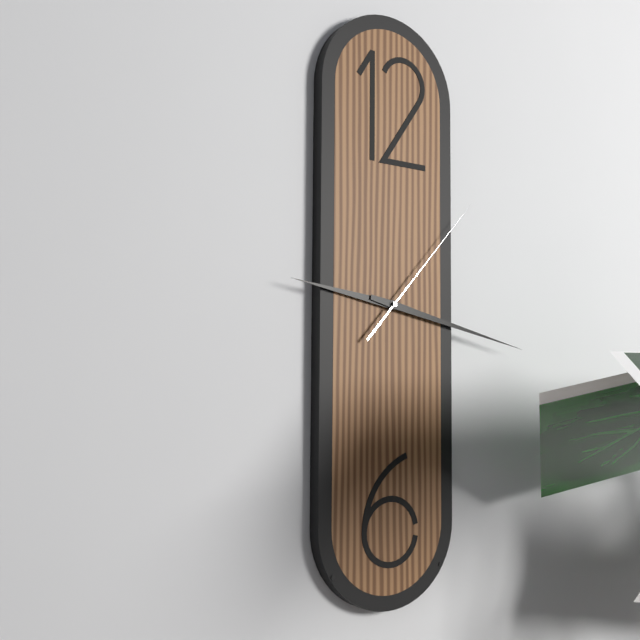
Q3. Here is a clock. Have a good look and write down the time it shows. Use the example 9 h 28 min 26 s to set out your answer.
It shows 9 h 17 min 07 s
